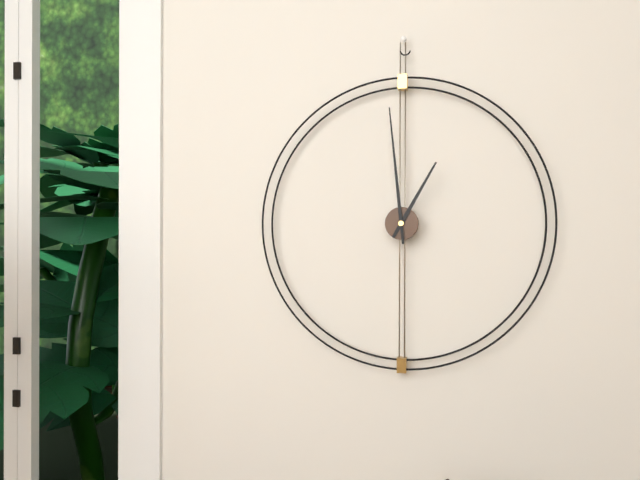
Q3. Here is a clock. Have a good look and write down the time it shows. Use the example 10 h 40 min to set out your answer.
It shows 12 h 59 min
